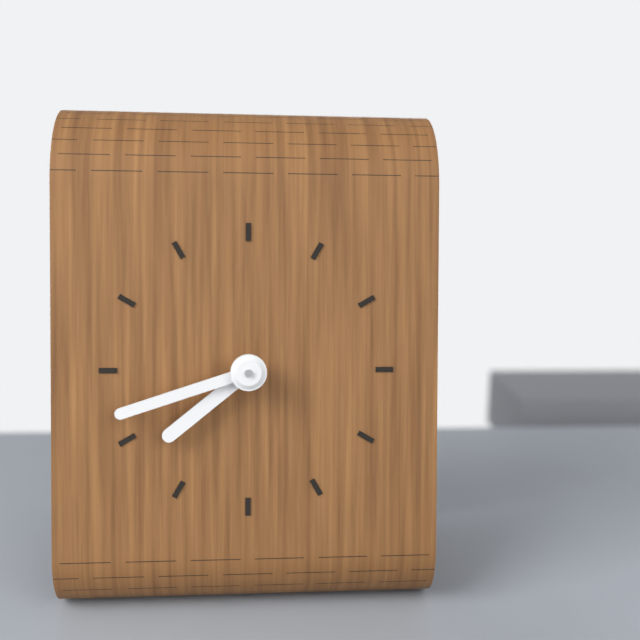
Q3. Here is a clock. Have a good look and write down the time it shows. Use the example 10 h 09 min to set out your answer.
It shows 7 h 42 min
